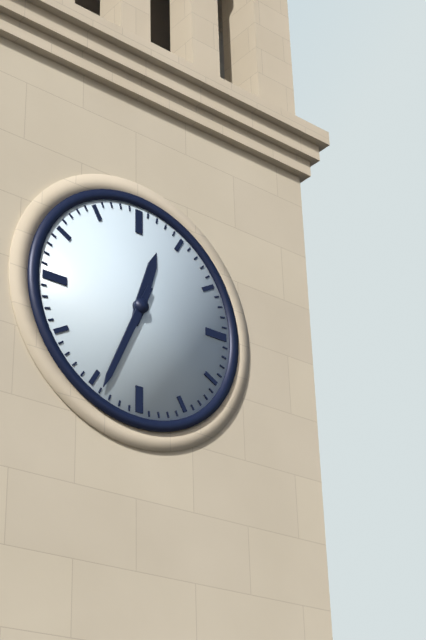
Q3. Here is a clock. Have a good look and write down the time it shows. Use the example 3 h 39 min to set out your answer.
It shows 12 h 34 min
